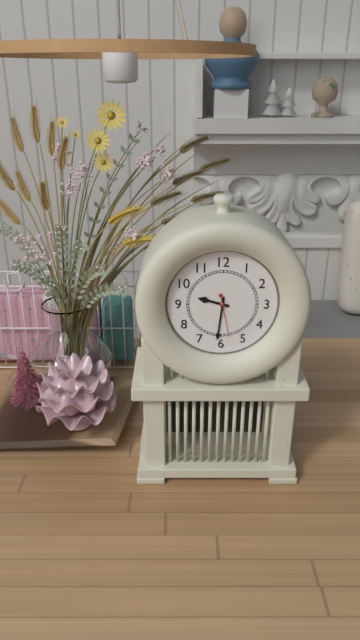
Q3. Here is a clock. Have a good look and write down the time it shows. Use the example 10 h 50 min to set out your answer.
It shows 9 h 31 min
